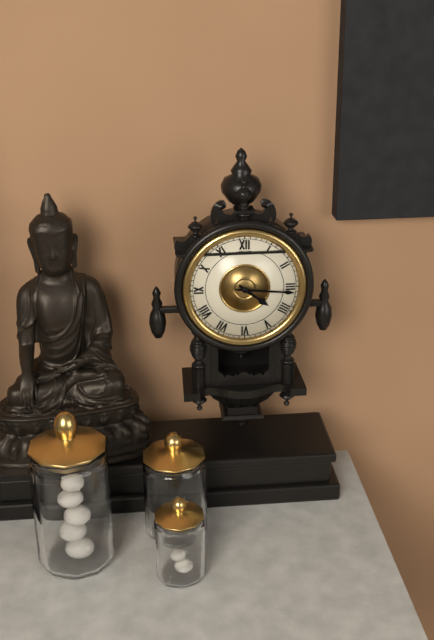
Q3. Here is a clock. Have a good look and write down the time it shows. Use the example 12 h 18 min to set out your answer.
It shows 4 h 16 min
